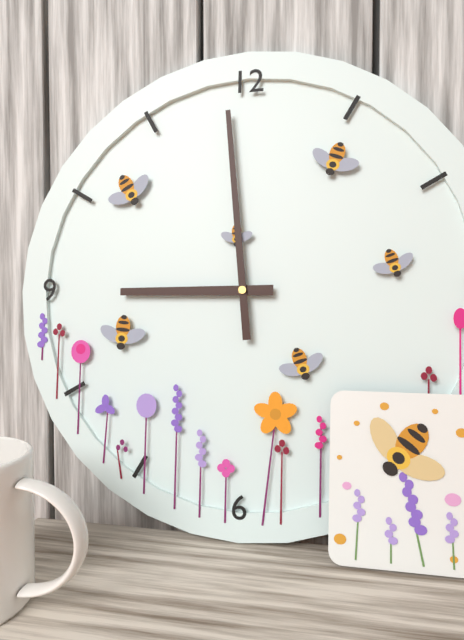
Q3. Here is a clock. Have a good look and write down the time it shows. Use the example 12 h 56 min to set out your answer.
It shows 8 h 59 min
